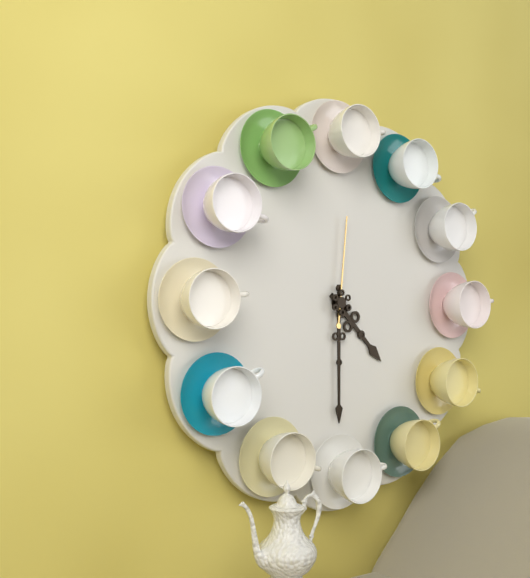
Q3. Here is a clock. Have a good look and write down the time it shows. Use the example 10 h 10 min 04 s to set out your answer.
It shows 4 h 30 min 01 s
